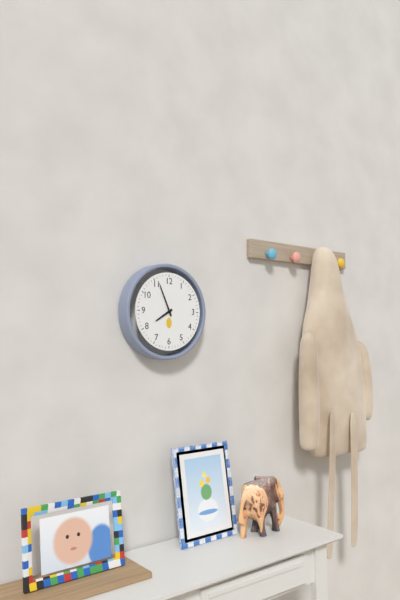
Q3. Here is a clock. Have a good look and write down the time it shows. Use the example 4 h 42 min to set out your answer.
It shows 7 h 56 min
